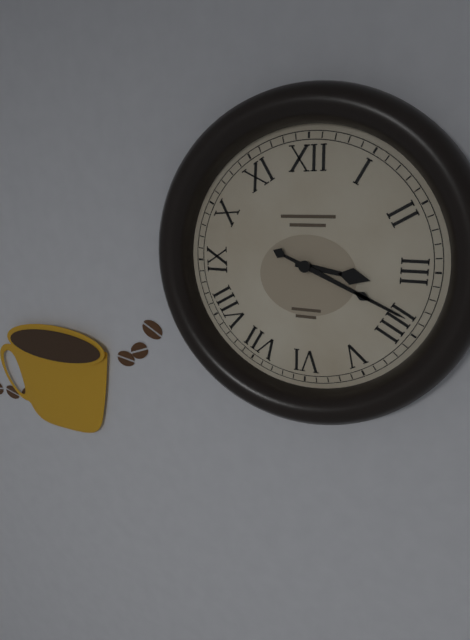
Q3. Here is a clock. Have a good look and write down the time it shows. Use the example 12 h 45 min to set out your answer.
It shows 3 h 19 min
